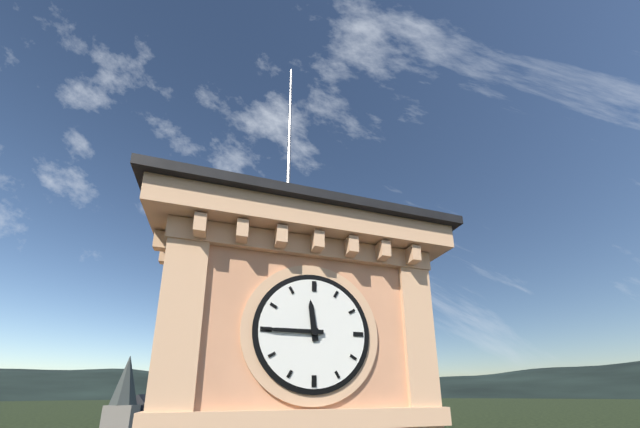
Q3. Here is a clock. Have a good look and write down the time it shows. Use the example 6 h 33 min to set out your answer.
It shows 11 h 45 min
